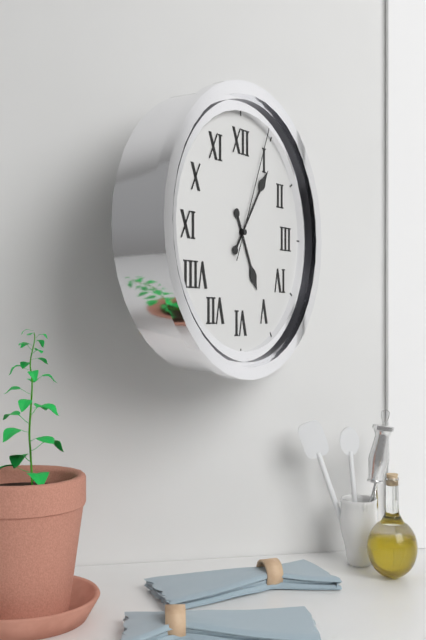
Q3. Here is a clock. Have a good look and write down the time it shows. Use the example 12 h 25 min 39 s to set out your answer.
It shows 5 h 06 min 04 s
